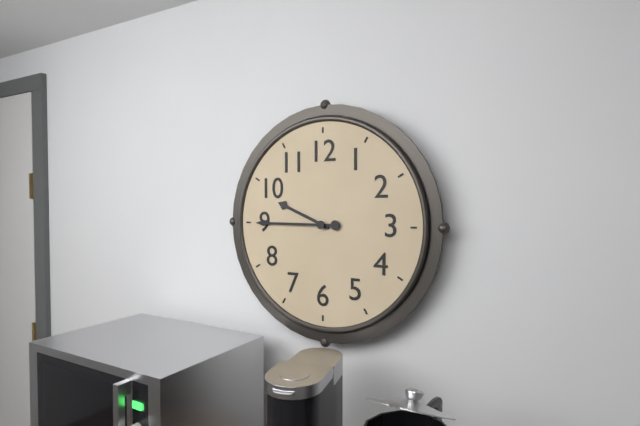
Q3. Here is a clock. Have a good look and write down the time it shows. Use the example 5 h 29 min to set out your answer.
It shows 9 h 45 min
